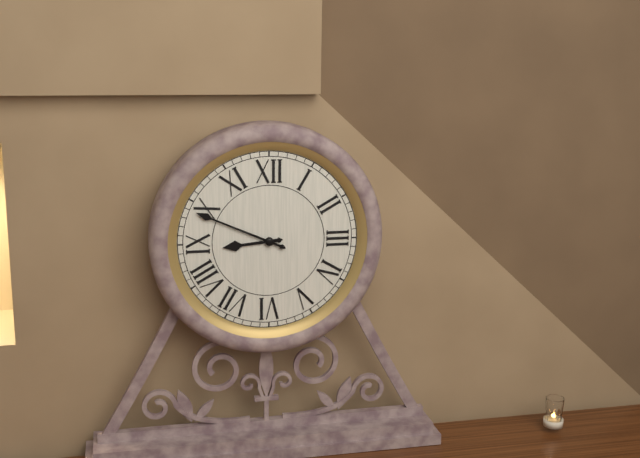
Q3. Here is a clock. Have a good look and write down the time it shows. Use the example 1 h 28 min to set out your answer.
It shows 8 h 49 min
